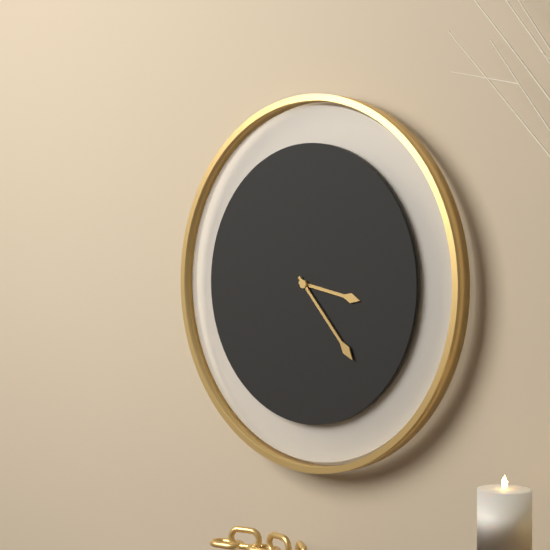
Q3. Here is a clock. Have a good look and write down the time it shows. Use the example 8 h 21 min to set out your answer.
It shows 3 h 23 min
